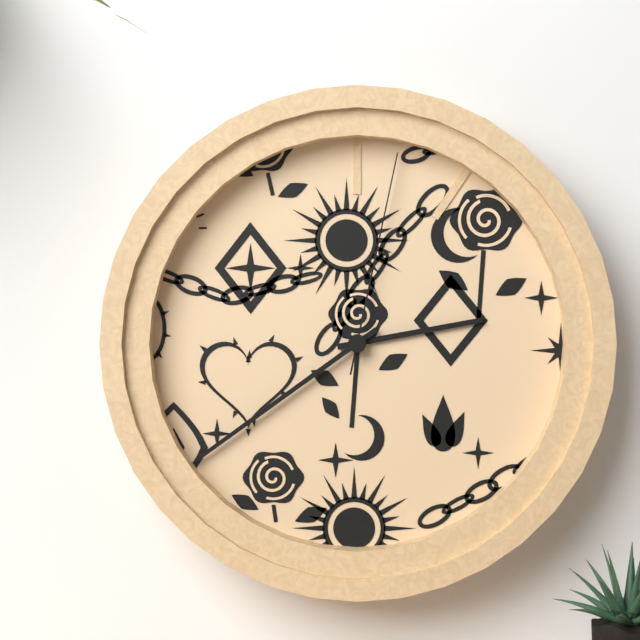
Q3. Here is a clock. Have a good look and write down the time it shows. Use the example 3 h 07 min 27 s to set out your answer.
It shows 2 h 39 min 02 s
